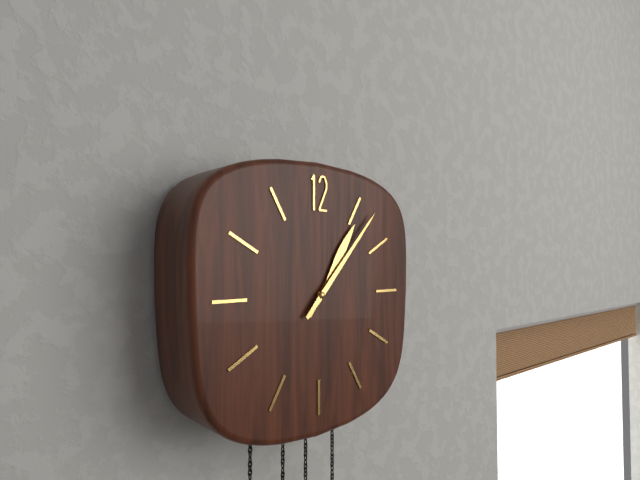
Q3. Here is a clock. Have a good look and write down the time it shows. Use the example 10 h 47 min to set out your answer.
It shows 1 h 07 min
